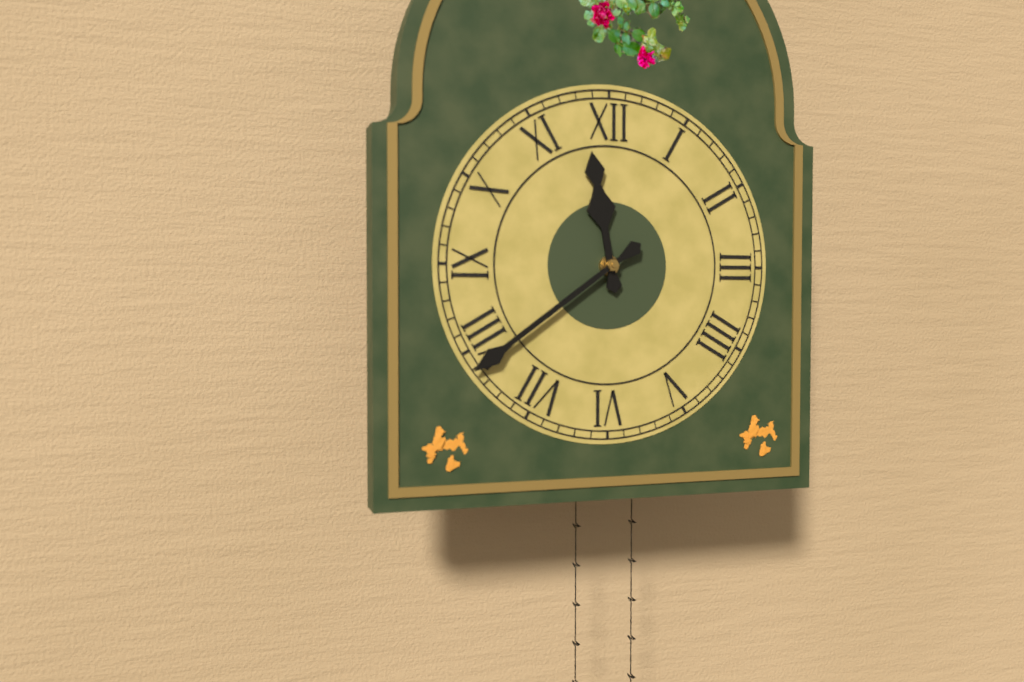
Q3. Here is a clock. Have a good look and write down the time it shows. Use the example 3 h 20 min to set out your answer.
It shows 11 h 39 min
